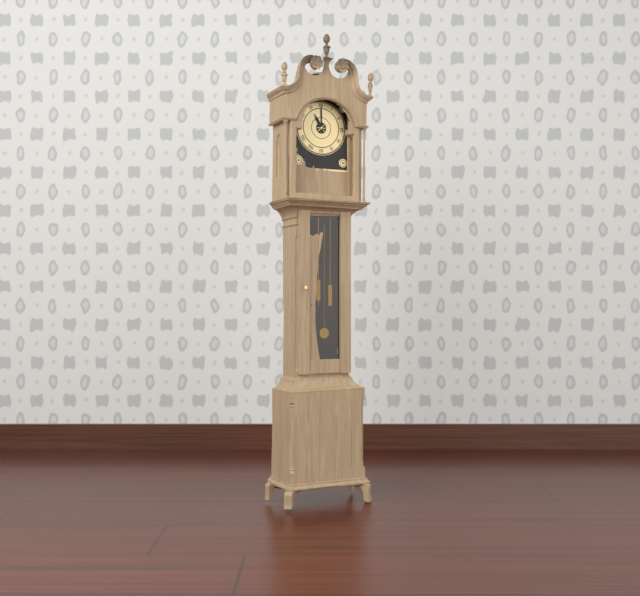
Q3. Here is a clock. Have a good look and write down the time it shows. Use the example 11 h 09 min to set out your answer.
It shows 11 h 00 min
